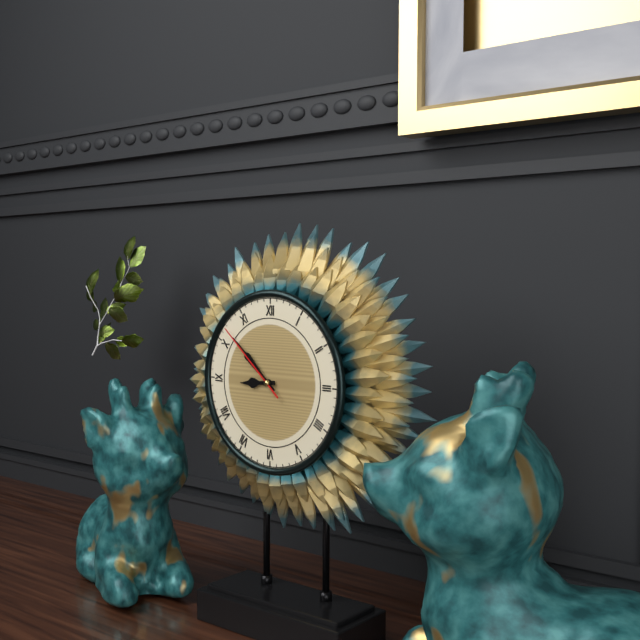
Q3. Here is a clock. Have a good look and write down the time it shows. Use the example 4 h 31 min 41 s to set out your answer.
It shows 8 h 52 min 52 s
